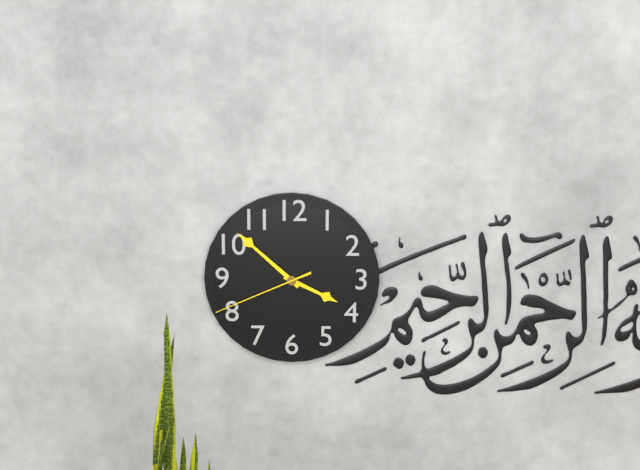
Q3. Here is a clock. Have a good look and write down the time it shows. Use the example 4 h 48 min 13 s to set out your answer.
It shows 3 h 52 min 41 s
